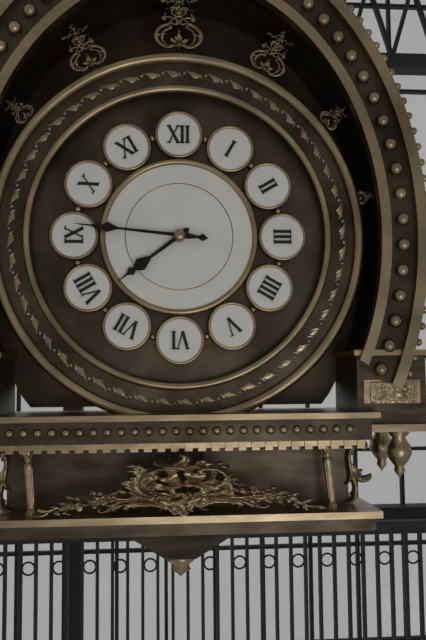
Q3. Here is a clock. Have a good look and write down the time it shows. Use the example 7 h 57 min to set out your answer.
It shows 7 h 46 min
